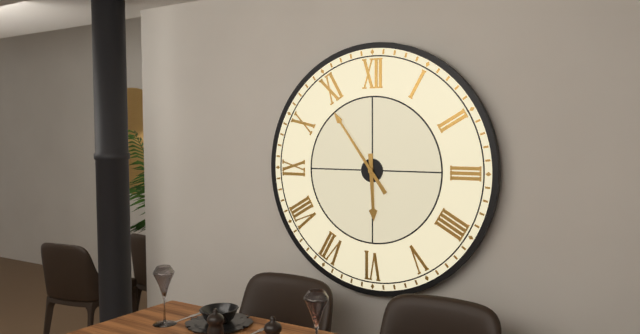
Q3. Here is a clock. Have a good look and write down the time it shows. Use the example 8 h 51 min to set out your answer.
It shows 5 h 54 min
